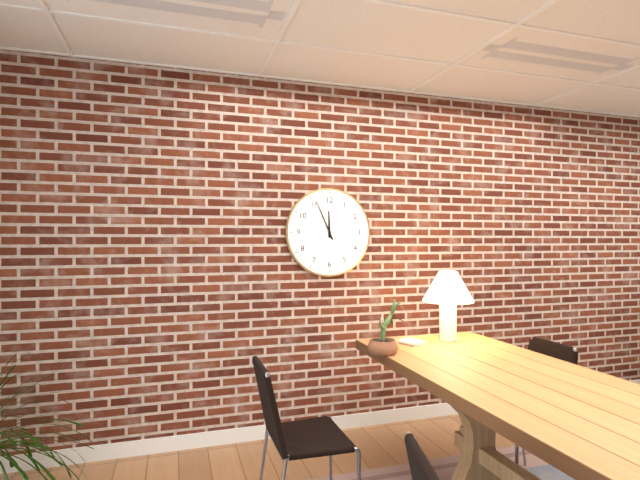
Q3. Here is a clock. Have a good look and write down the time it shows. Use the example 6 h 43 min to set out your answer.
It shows 11 h 56 min
